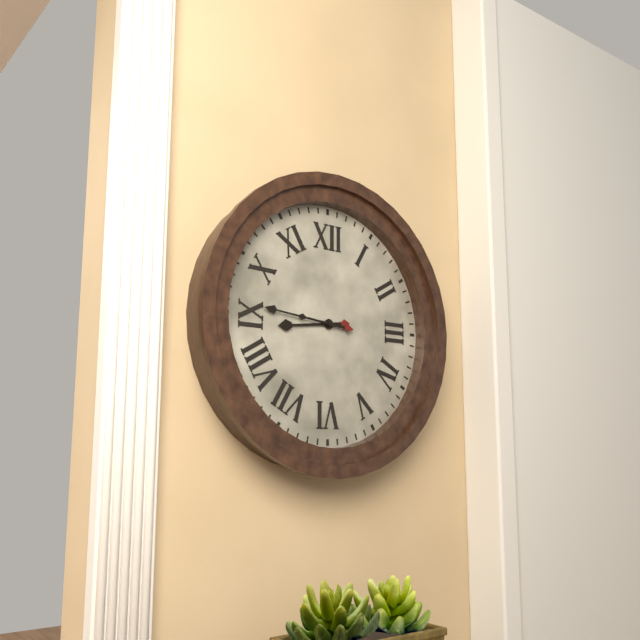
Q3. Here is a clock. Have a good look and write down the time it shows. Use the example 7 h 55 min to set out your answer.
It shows 8 h 46 min
